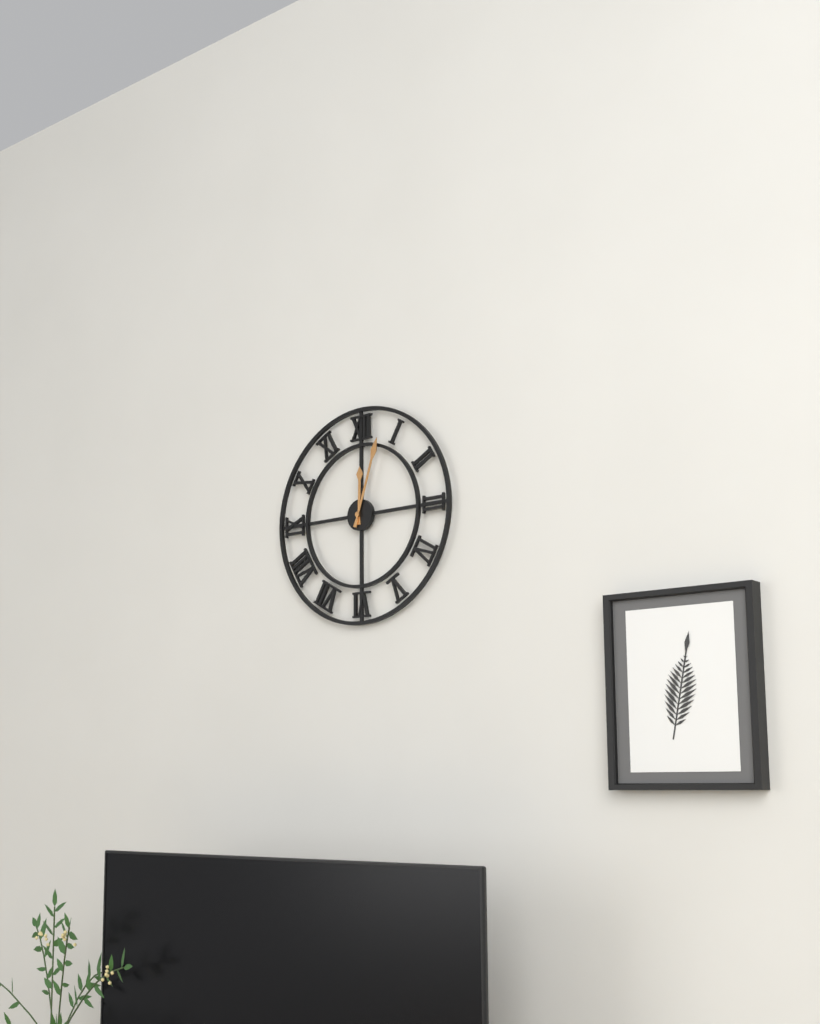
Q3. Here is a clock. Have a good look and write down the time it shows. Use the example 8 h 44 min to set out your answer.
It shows 12 h 03 min
